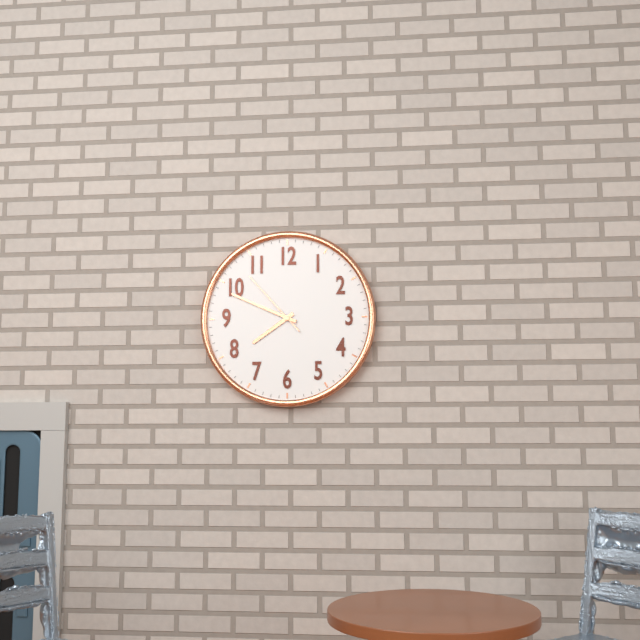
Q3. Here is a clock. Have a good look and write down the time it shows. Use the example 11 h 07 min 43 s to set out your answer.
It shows 7 h 49 min 53 s
